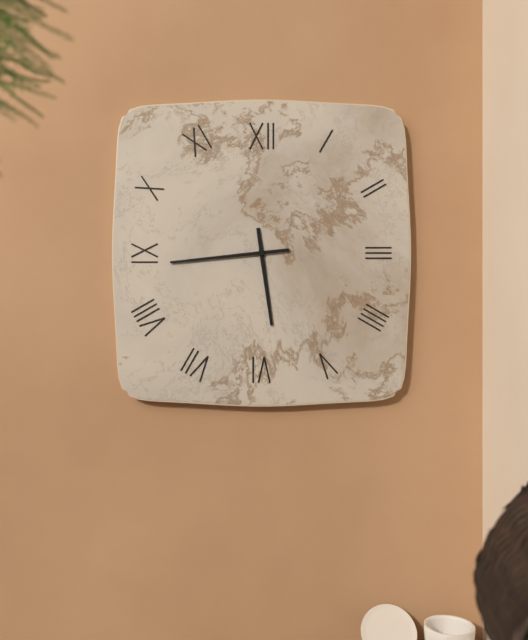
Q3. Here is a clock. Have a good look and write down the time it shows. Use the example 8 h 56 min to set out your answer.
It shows 5 h 44 min
